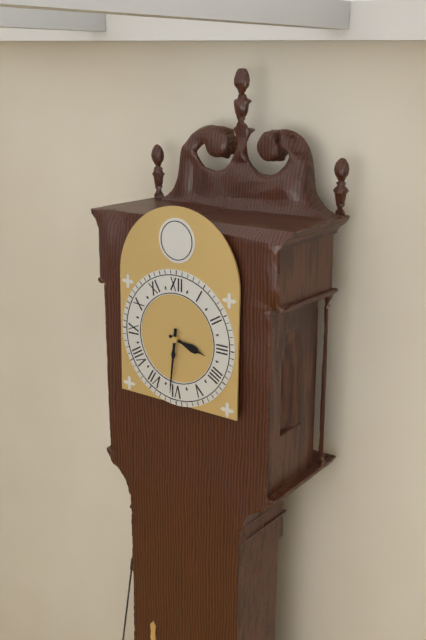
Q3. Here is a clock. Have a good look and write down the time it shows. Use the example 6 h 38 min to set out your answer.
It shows 3 h 31 min
